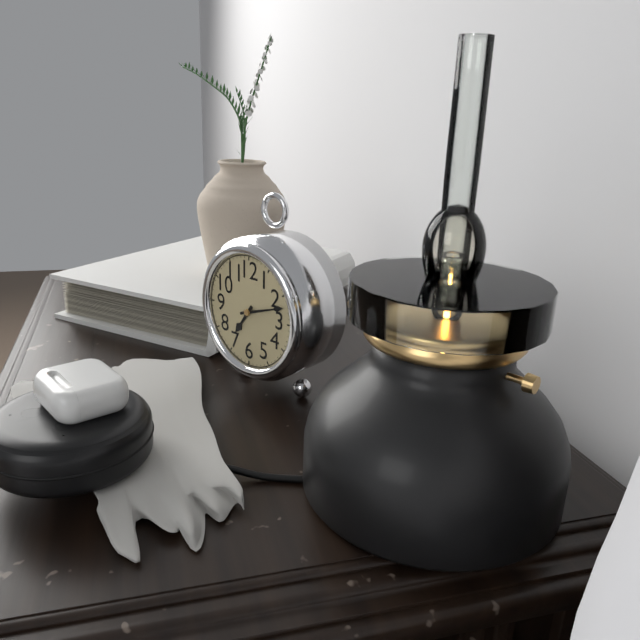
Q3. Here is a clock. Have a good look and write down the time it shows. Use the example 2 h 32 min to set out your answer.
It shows 7 h 12 min
